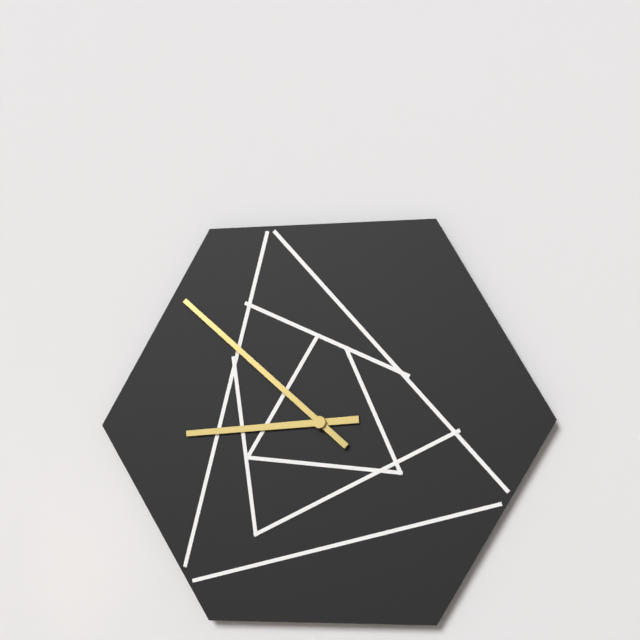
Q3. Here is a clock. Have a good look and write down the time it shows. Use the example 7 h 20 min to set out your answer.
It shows 8 h 52 min
